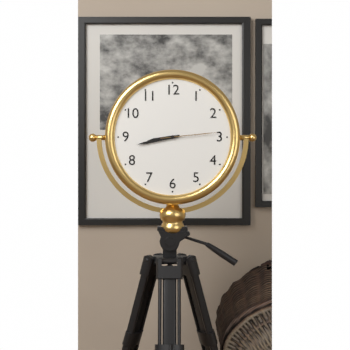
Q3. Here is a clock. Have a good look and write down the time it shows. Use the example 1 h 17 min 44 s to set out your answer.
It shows 8 h 43 min 14 s
